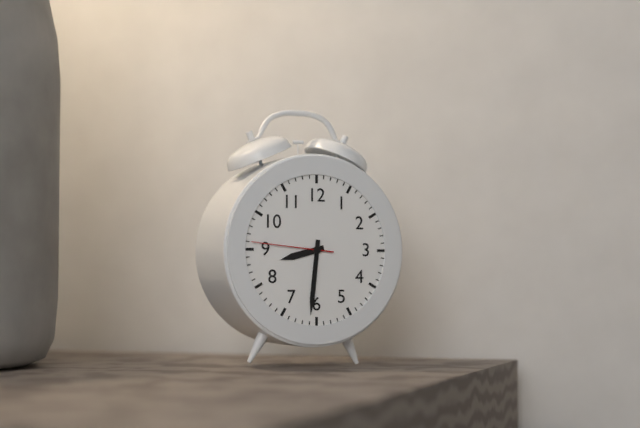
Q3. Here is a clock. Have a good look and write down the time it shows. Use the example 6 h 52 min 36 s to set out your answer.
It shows 8 h 31 min 46 s
